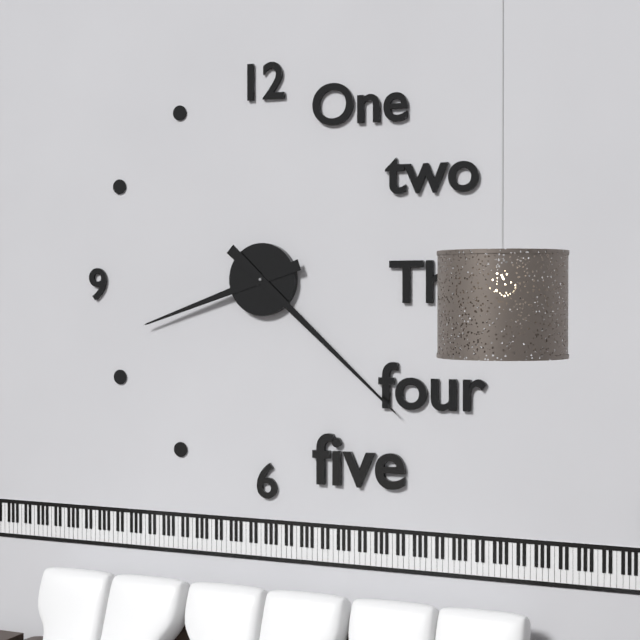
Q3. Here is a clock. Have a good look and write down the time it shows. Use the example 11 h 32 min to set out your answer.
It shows 8 h 22 min
